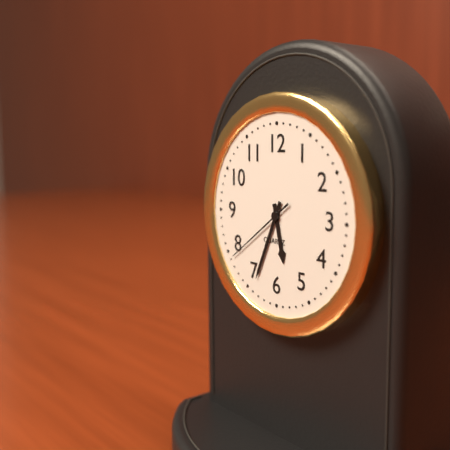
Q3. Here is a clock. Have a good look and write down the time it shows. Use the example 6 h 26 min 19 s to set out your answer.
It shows 5 h 34 min 39 s
